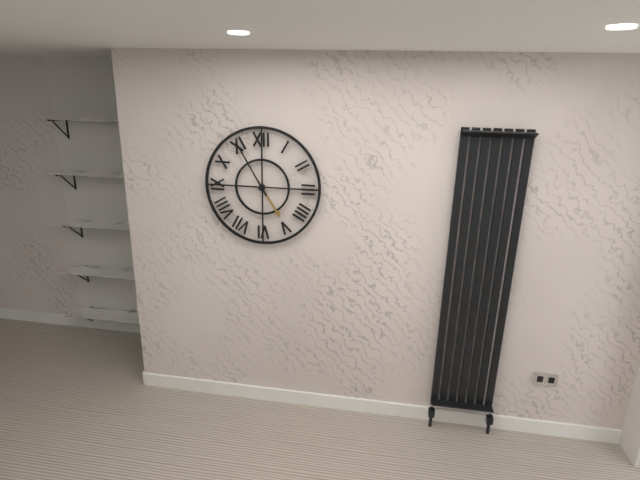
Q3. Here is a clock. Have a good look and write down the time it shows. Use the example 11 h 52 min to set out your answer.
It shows 4 h 55 min
